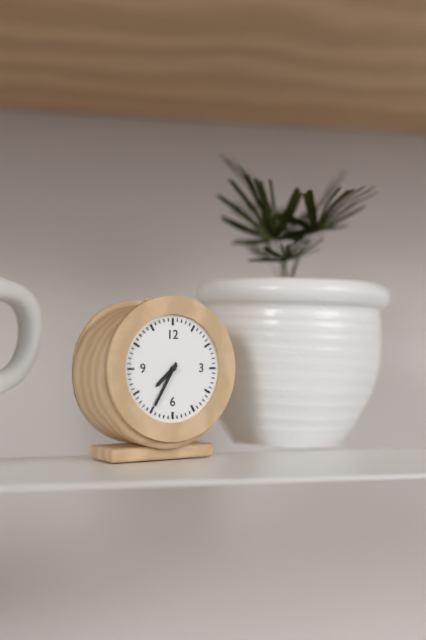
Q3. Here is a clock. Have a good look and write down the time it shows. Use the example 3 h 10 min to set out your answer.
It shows 7 h 35 min
